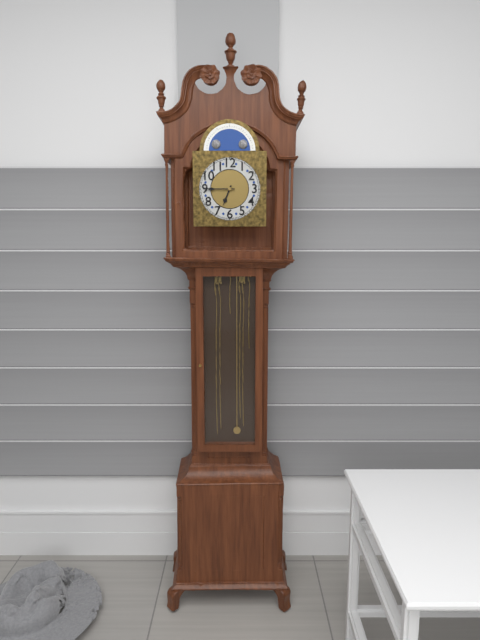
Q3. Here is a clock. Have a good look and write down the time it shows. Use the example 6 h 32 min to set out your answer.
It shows 6 h 45 min
